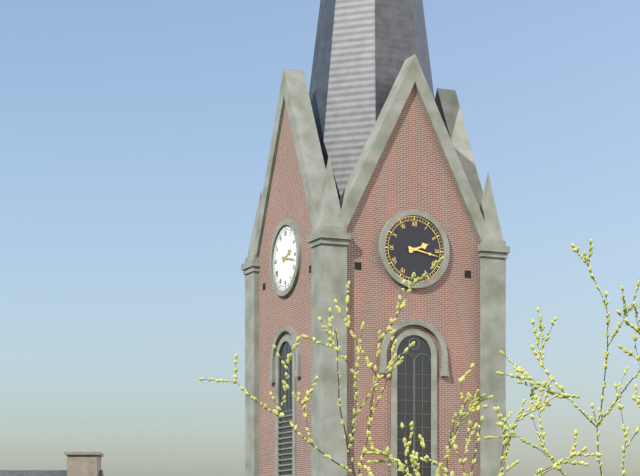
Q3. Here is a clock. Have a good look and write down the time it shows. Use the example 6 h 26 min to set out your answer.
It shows 2 h 17 min
